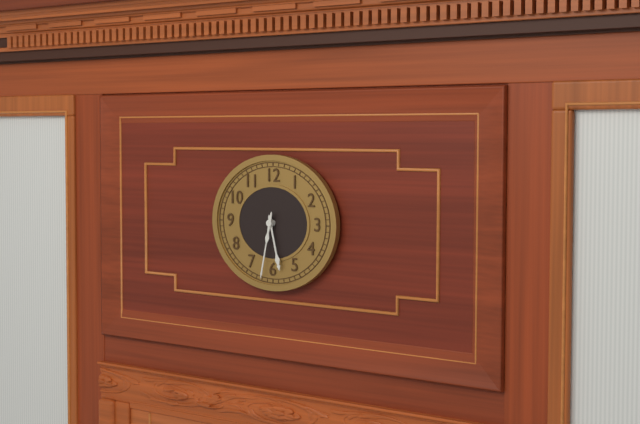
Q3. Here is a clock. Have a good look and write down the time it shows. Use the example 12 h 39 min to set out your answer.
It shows 5 h 32 min
